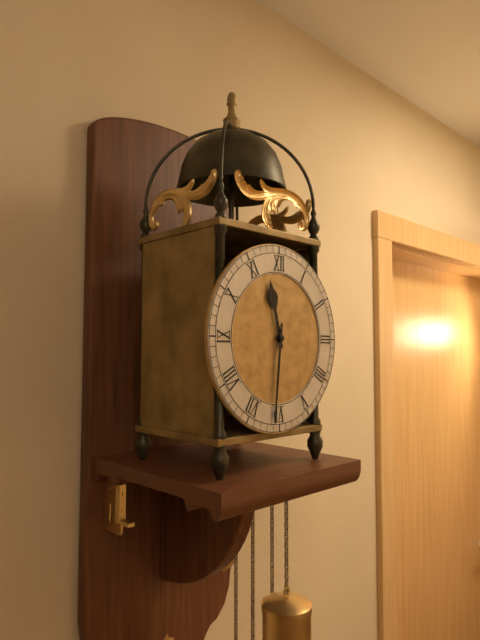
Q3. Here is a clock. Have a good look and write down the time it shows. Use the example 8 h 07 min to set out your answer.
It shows 11 h 31 min
